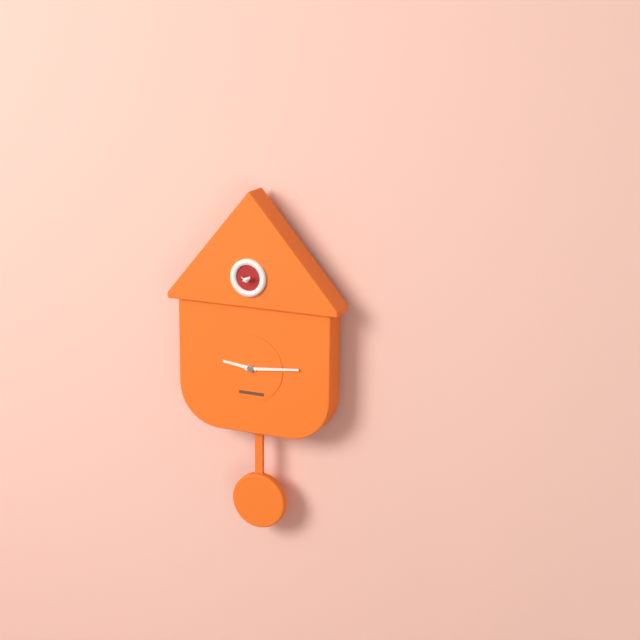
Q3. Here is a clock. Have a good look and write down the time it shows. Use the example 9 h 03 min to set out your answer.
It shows 9 h 14 min
